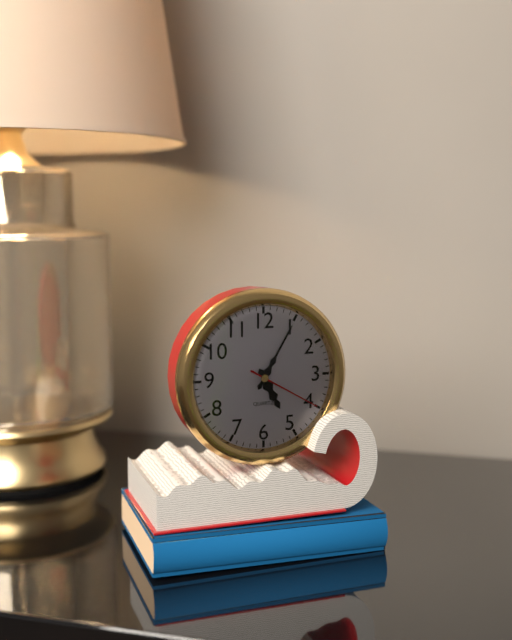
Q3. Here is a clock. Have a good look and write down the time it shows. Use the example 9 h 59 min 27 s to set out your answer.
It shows 5 h 05 min 20 s
